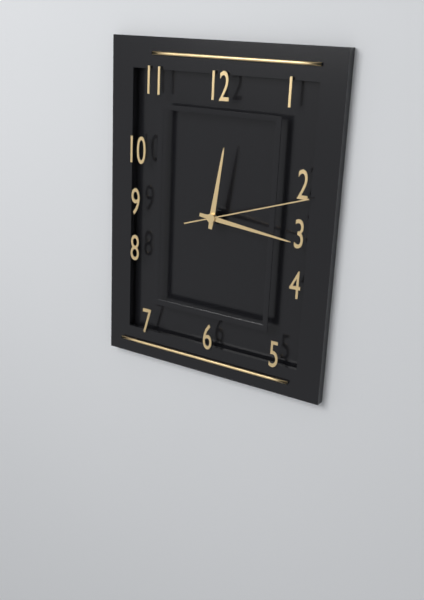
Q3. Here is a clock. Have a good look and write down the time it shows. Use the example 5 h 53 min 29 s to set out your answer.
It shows 12 h 16 min 12 s
